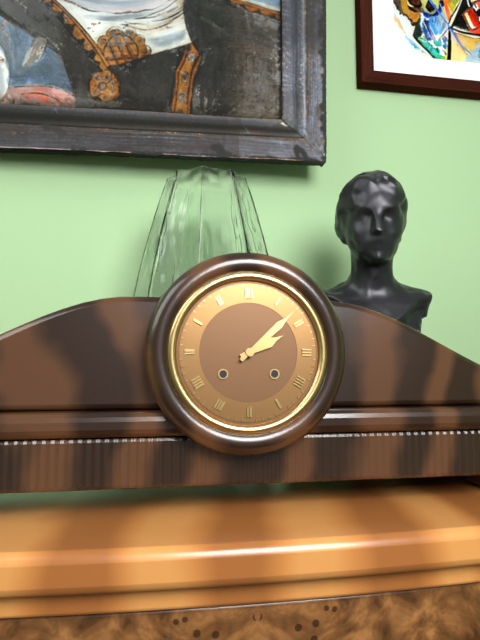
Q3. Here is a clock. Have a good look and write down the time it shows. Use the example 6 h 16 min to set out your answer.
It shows 2 h 08 min
